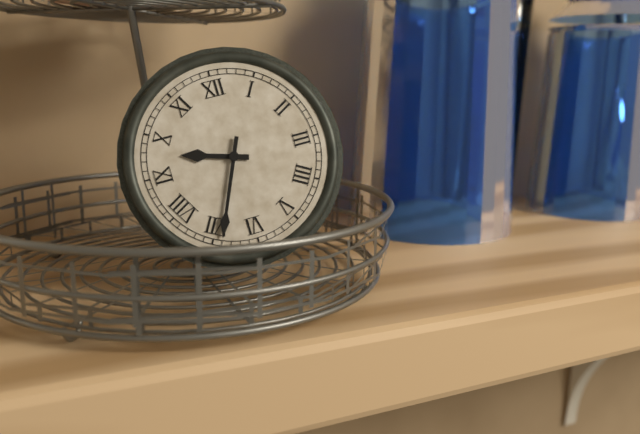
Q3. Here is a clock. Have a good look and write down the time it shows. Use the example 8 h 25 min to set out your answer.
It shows 9 h 34 min
